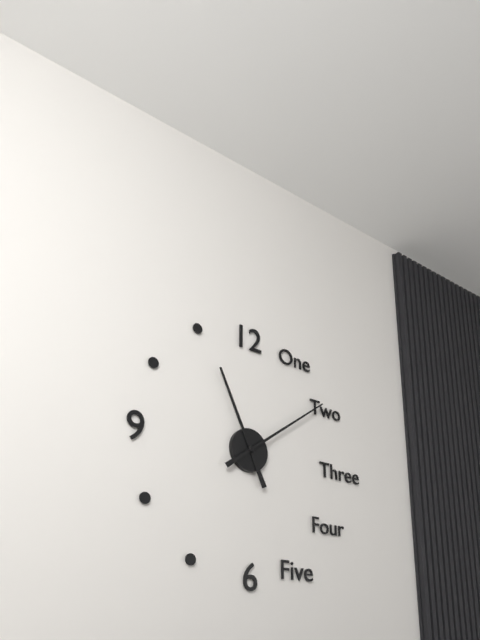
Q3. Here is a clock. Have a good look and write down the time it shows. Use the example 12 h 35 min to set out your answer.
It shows 11 h 09 min
